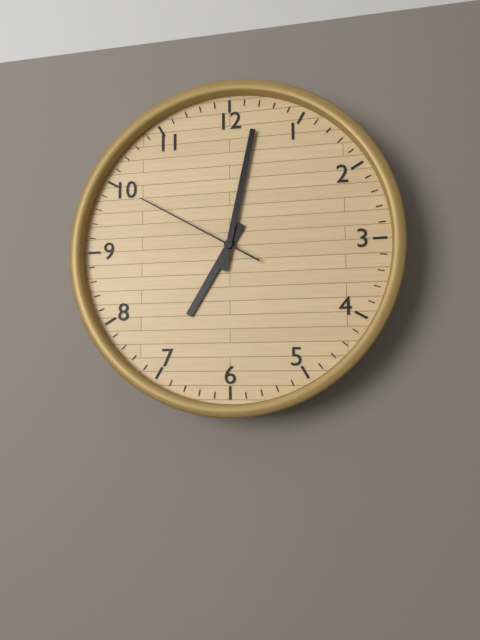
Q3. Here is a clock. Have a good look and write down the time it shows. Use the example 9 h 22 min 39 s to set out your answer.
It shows 7 h 02 min 50 s
